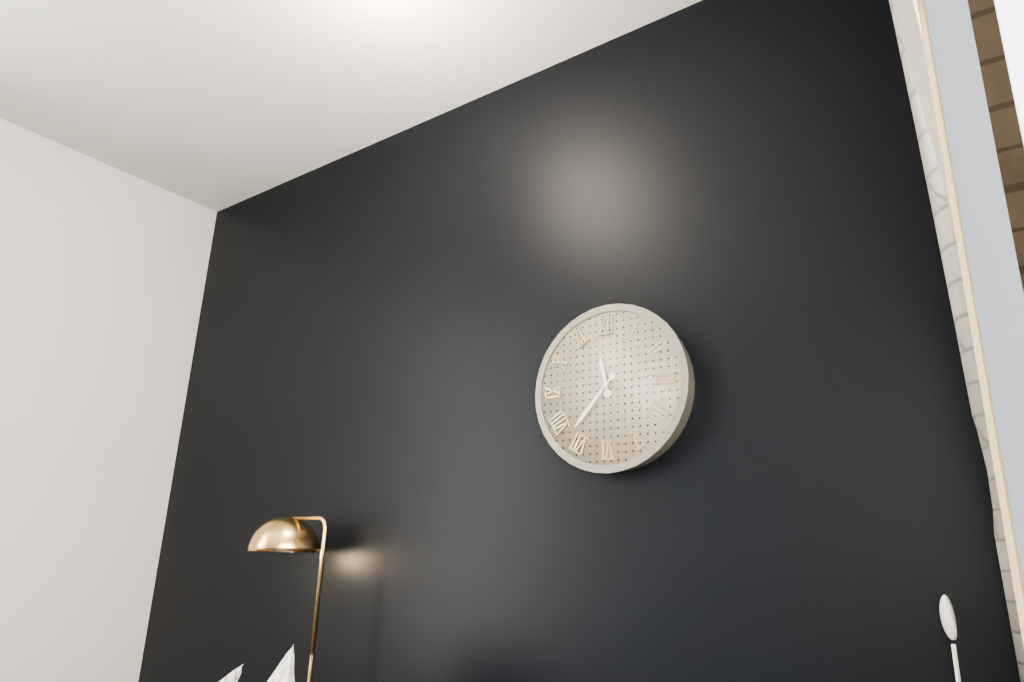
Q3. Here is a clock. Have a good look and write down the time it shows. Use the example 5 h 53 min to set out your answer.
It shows 11 h 37 min
